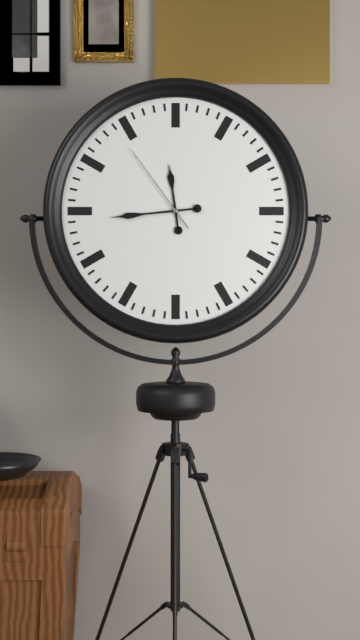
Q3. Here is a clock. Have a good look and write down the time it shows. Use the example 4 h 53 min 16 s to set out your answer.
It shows 11 h 44 min 54 s
